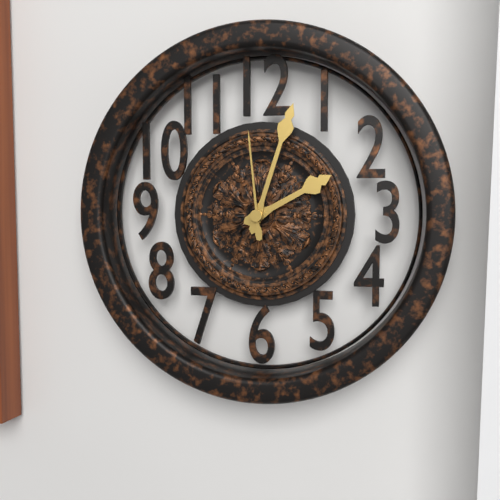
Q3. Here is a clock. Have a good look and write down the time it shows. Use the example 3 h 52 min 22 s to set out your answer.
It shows 2 h 03 min 59 s
